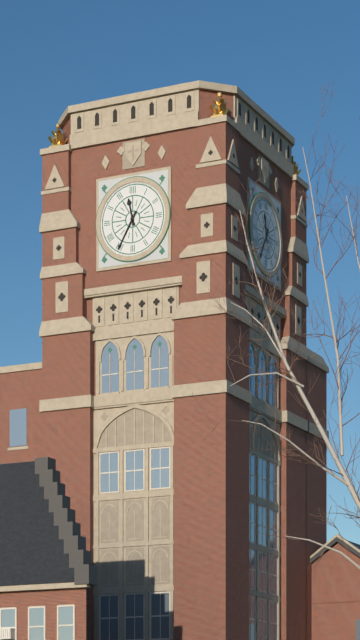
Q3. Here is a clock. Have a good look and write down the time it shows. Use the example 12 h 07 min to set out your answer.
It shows 11 h 35 min
